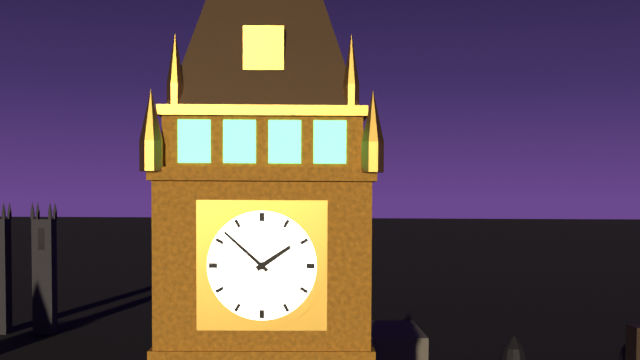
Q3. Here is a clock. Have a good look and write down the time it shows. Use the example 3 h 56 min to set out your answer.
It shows 1 h 52 min
